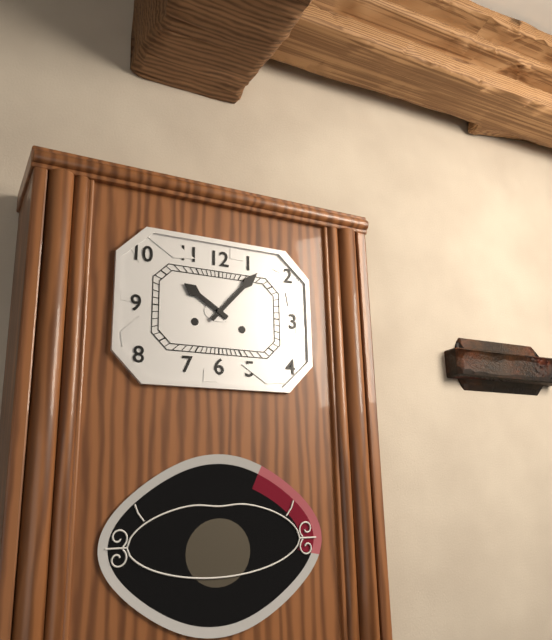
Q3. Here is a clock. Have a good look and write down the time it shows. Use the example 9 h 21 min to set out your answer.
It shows 10 h 07 min
